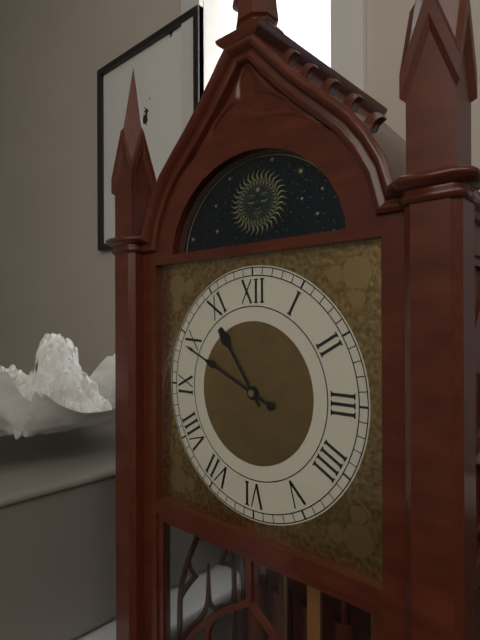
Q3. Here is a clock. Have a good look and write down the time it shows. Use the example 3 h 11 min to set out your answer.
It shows 10 h 49 min
